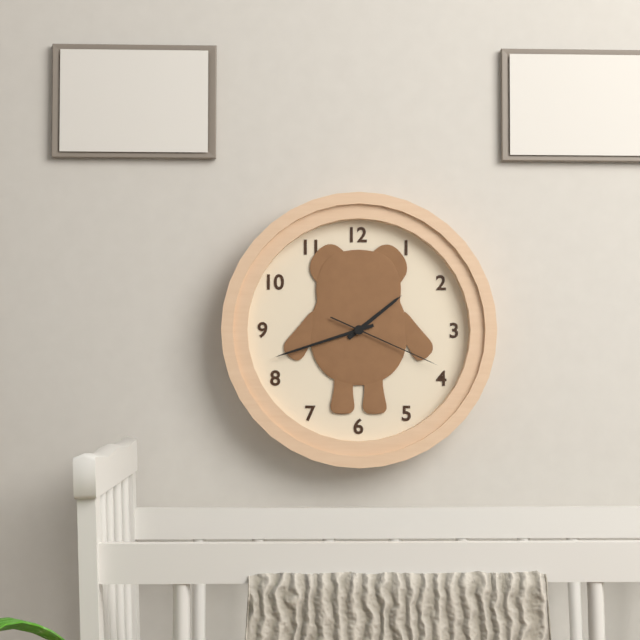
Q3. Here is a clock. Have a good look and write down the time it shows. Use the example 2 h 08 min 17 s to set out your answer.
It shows 1 h 42 min 19 s
